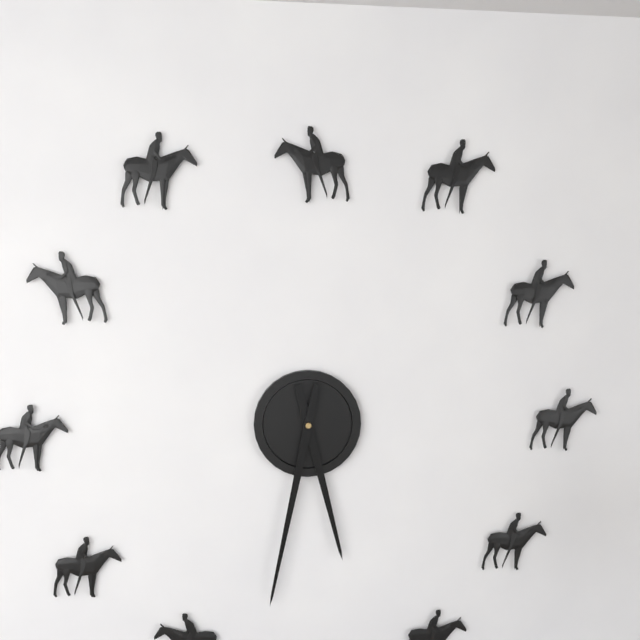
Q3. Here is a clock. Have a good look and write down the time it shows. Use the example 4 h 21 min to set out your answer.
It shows 5 h 32 min
